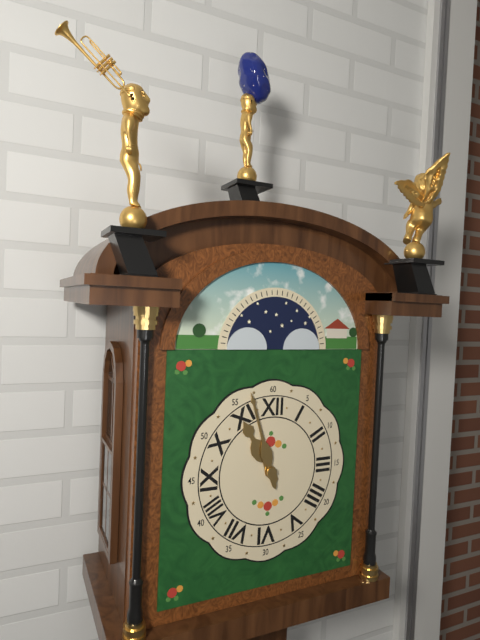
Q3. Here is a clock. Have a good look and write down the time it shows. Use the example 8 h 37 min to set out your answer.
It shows 10 h 57 min
